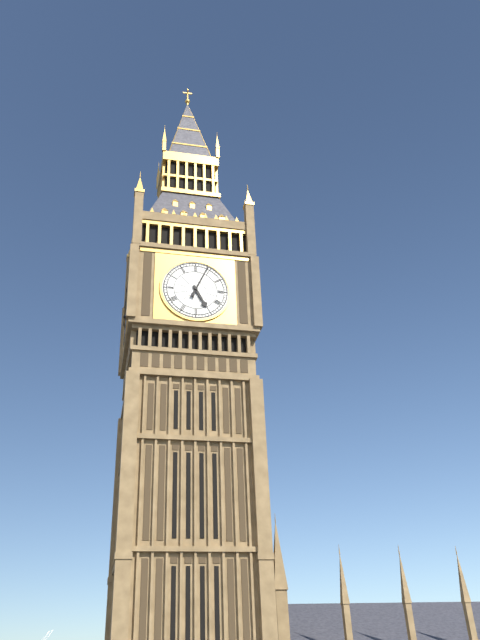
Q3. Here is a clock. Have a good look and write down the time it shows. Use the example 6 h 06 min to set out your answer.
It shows 5 h 04 min
